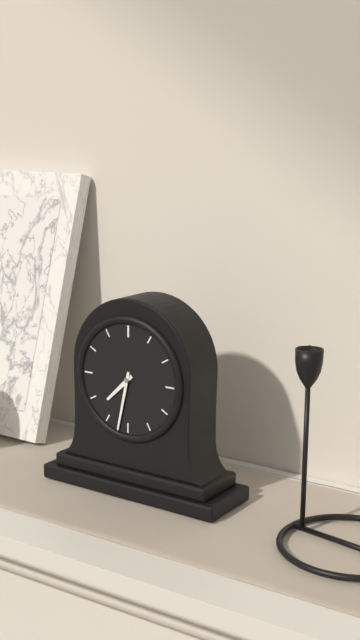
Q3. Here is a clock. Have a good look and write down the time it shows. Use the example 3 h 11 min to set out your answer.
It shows 7 h 32 min
